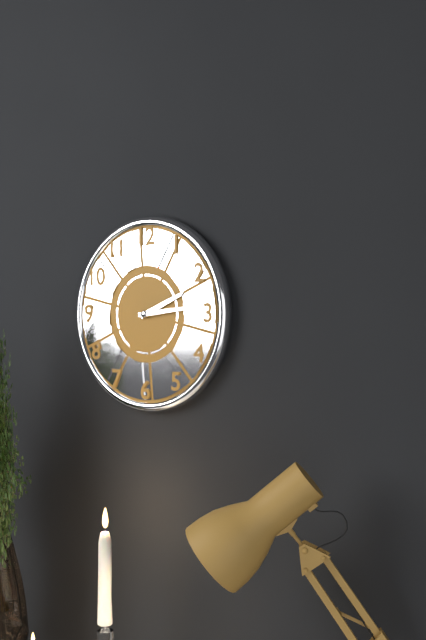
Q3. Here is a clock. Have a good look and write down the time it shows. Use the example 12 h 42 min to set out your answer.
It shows 2 h 14 min
